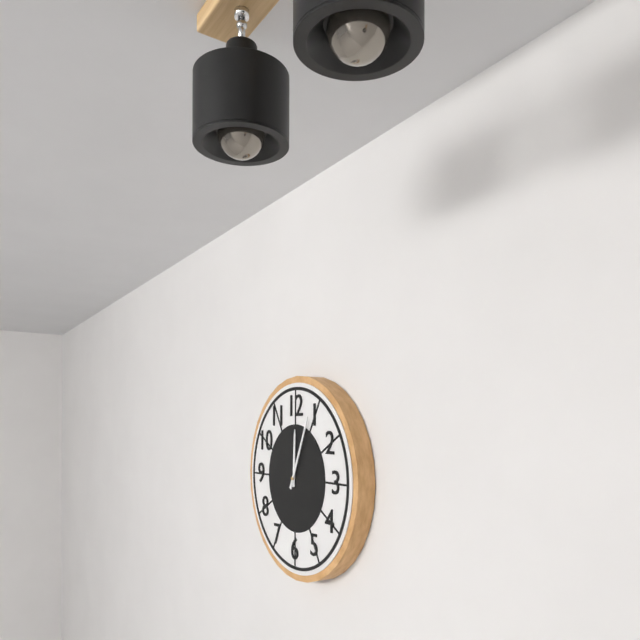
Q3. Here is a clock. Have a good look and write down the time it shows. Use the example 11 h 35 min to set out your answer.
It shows 12 h 04 min
